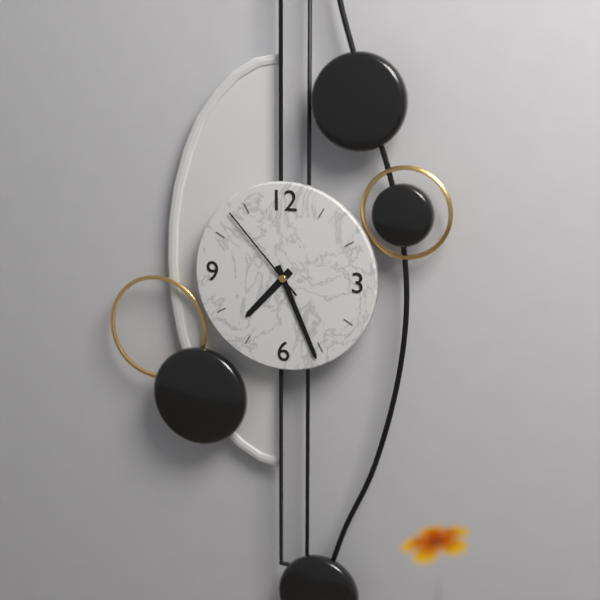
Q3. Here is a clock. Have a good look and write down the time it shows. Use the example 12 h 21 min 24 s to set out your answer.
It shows 7 h 26 min 53 s
